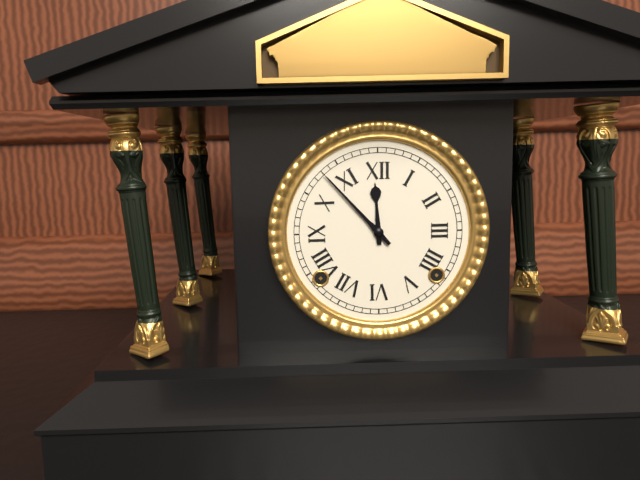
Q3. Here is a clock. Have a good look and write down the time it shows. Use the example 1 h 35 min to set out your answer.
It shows 11 h 53 min
